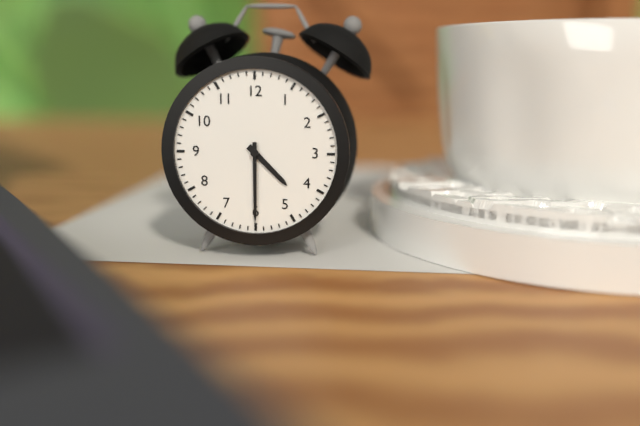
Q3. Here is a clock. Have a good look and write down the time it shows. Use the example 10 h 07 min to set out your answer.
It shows 4 h 30 min
